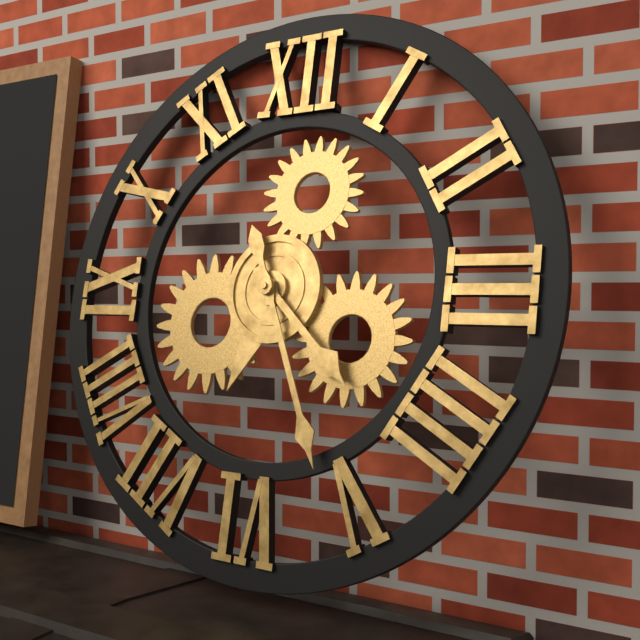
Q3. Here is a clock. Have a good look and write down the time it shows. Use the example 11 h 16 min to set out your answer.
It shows 4 h 26 min
